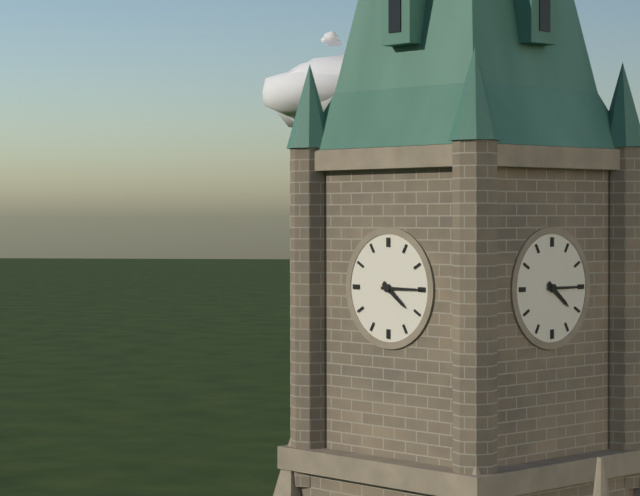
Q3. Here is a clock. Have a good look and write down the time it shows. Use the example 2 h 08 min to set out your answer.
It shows 4 h 15 min
